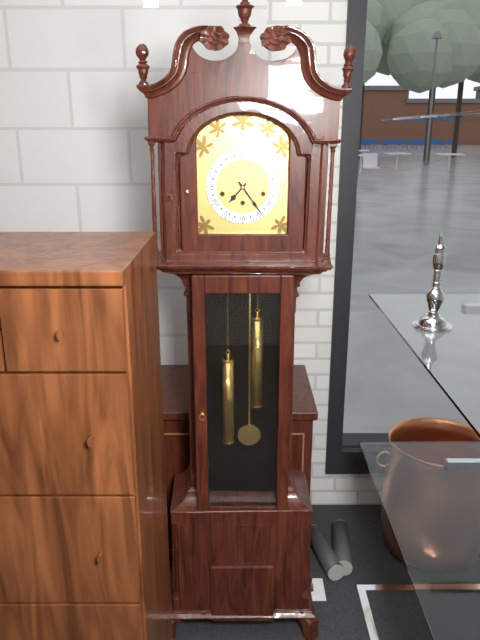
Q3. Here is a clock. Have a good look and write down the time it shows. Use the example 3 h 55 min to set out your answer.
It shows 7 h 24 min
